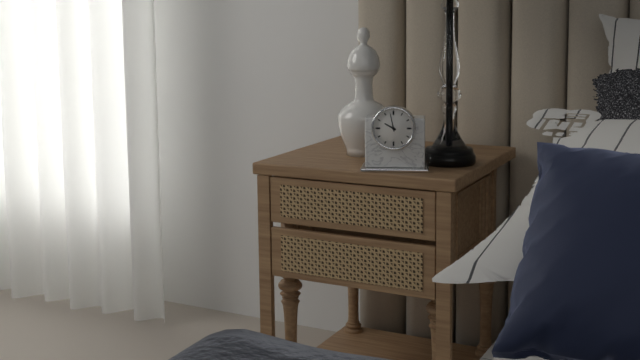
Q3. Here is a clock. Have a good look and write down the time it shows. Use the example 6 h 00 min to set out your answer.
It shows 9 h 58 min
